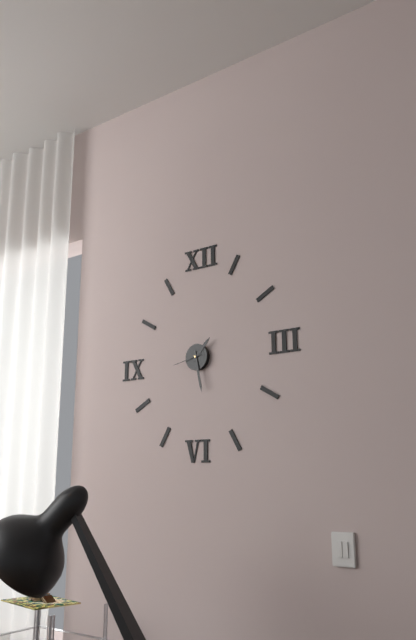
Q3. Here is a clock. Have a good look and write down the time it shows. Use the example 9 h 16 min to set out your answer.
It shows 1 h 28 min
